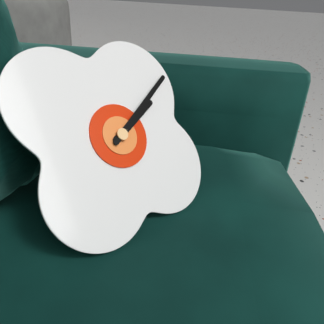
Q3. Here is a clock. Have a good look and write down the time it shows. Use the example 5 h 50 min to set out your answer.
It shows 2 h 10 min
